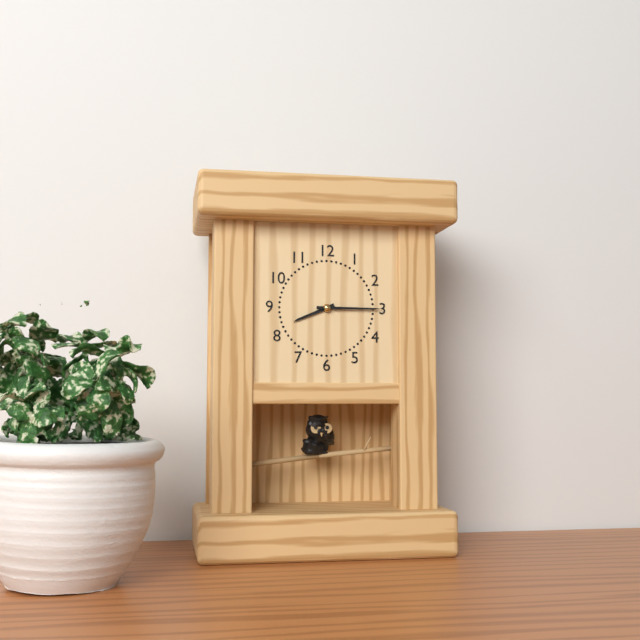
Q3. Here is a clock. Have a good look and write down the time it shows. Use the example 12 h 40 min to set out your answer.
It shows 8 h 15 min
